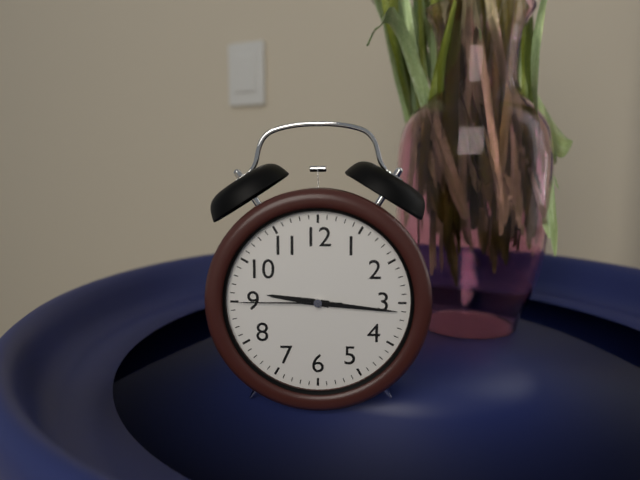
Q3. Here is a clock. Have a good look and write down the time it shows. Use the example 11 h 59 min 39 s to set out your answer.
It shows 9 h 16 min 45 s
